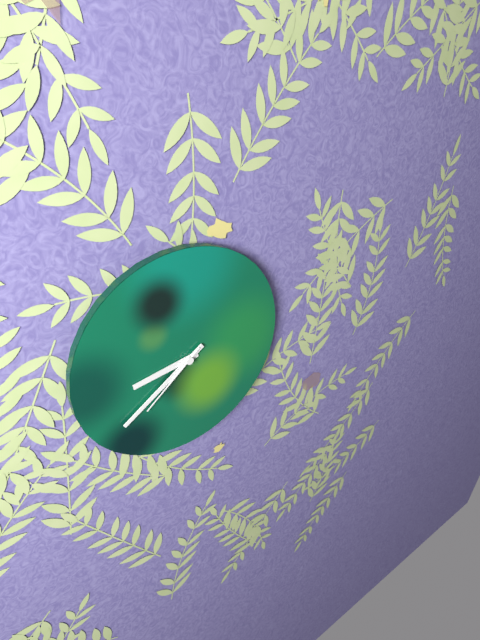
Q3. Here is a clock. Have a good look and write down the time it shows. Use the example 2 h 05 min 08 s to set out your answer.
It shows 8 h 39 min 38 s
